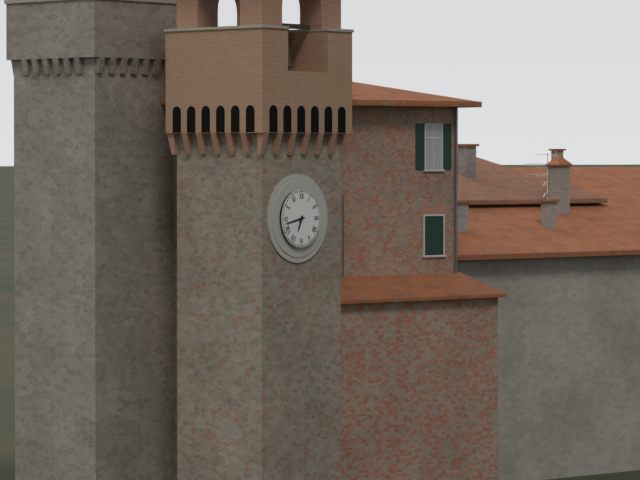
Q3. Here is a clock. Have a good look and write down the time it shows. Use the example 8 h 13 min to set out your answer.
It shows 6 h 43 min
